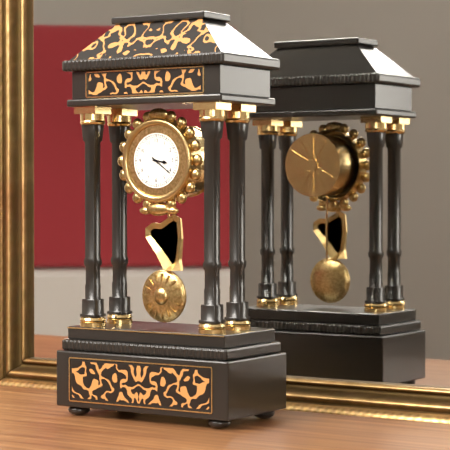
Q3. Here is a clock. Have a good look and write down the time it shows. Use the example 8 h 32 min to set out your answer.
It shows 3 h 21 min
